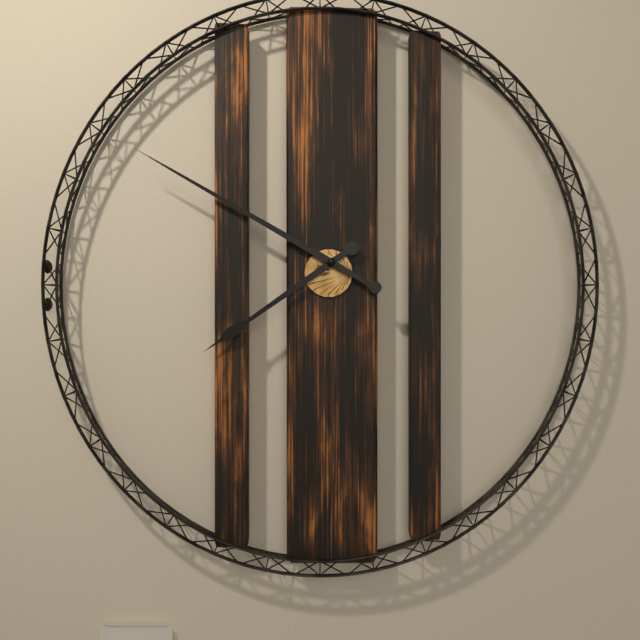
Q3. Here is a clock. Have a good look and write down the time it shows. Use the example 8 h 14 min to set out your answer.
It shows 7 h 50 min
